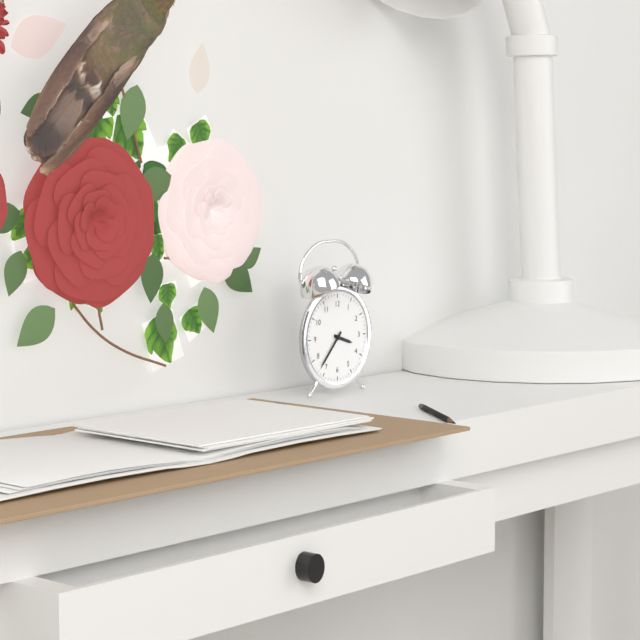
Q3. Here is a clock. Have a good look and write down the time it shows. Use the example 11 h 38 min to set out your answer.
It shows 3 h 37 min
